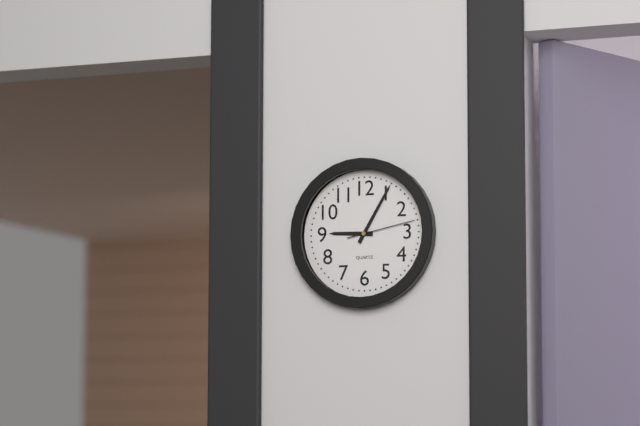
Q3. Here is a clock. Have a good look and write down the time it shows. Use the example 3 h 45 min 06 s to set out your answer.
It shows 9 h 05 min 13 s
